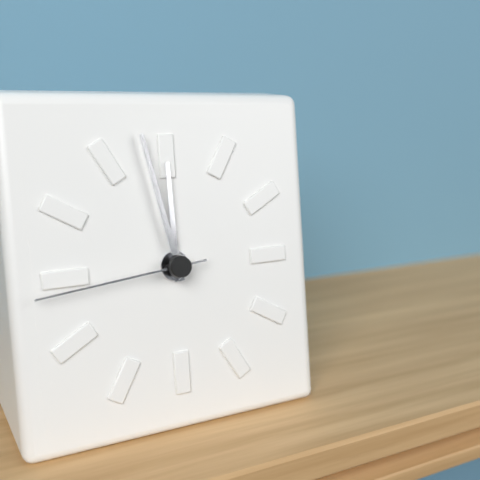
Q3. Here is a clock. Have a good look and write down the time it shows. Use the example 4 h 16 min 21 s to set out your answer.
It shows 11 h 58 min 44 s
